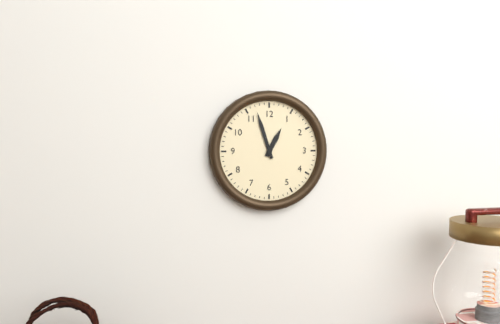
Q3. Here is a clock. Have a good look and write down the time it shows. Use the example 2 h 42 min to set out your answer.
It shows 12 h 57 min
